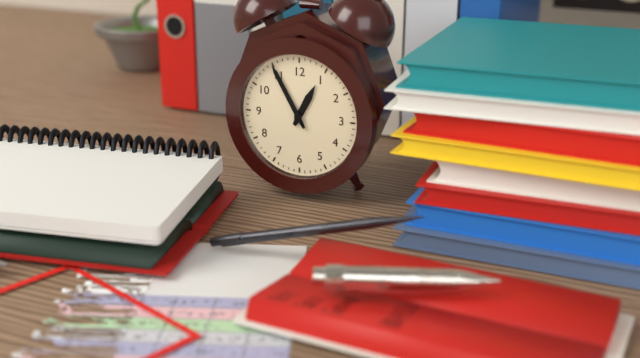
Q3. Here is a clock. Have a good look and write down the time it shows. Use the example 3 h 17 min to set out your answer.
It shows 12 h 55 min
